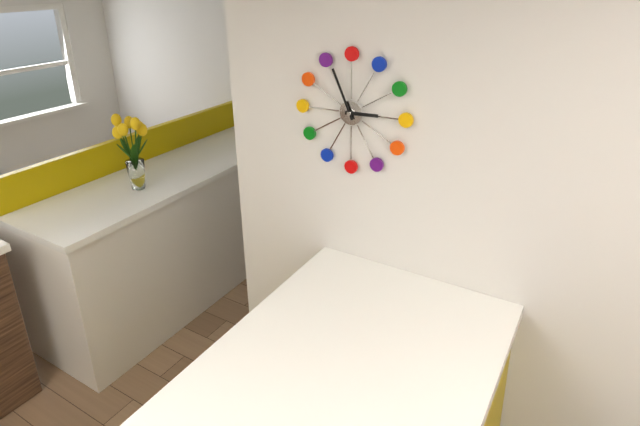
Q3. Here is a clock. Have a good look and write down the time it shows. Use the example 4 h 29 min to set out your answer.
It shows 2 h 56 min
